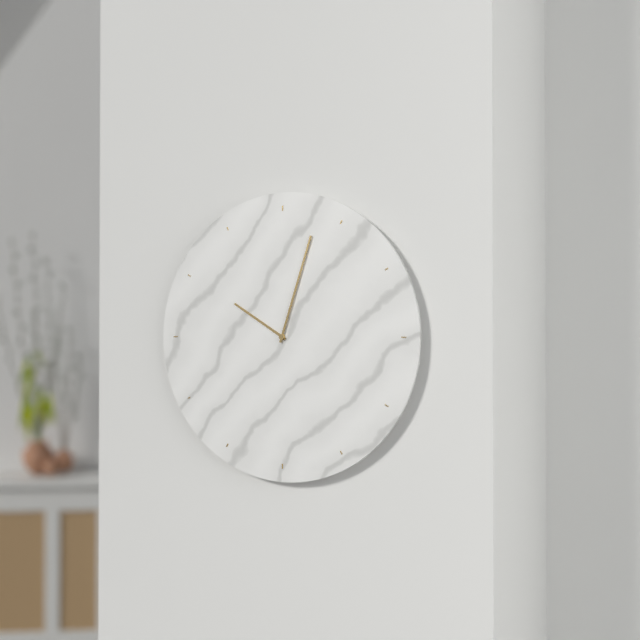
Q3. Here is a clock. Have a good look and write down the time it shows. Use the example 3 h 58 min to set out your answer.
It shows 10 h 03 min
